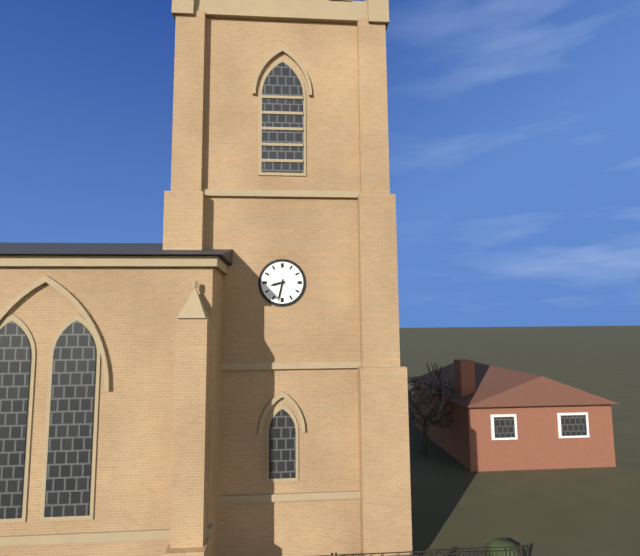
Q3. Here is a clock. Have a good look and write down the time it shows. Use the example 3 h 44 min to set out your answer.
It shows 8 h 32 min
